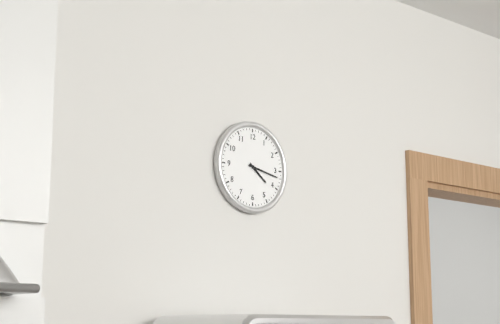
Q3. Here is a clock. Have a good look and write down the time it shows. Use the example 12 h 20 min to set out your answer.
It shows 4 h 17 min
